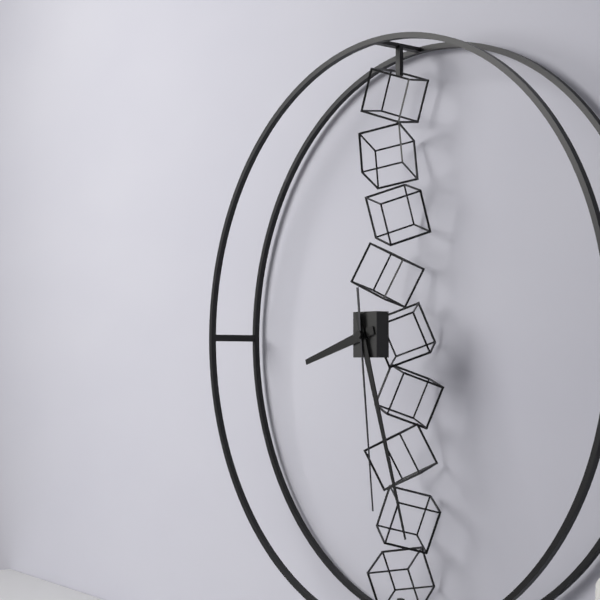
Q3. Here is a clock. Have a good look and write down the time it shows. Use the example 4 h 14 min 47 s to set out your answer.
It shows 8 h 27 min 29 s
